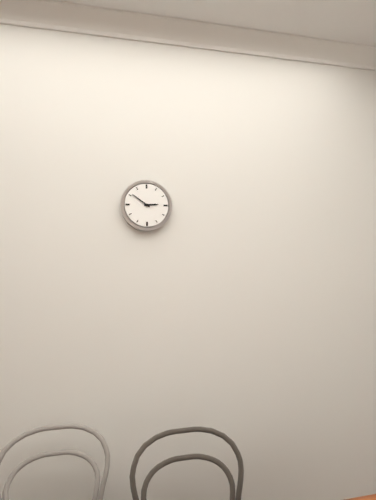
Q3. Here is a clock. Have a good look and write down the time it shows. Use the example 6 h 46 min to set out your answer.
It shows 2 h 51 min
